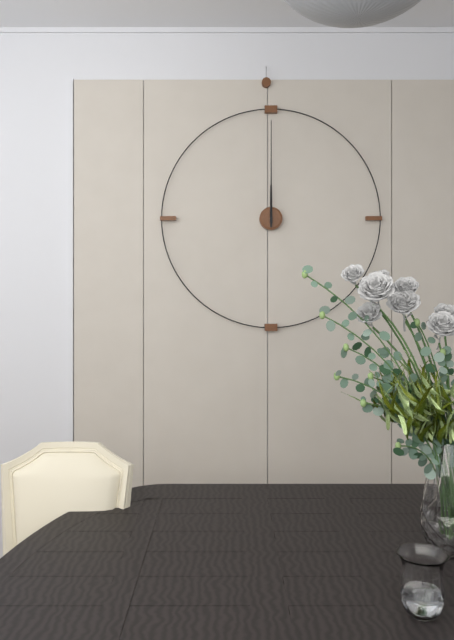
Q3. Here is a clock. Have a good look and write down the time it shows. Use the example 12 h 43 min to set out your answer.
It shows 12 h 00 min
